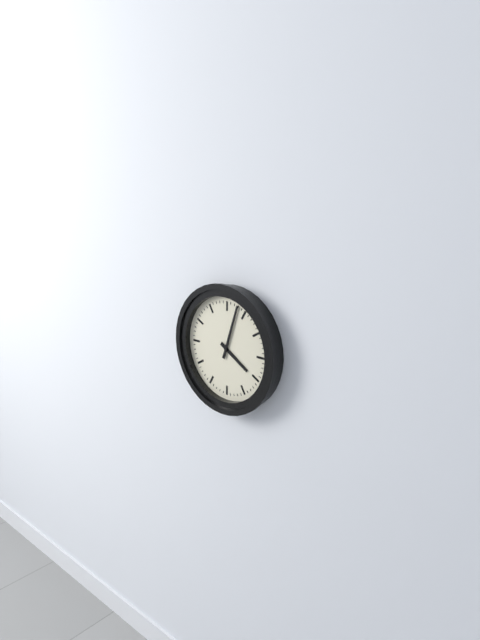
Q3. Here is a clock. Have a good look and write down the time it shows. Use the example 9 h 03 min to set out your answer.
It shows 4 h 03 min
